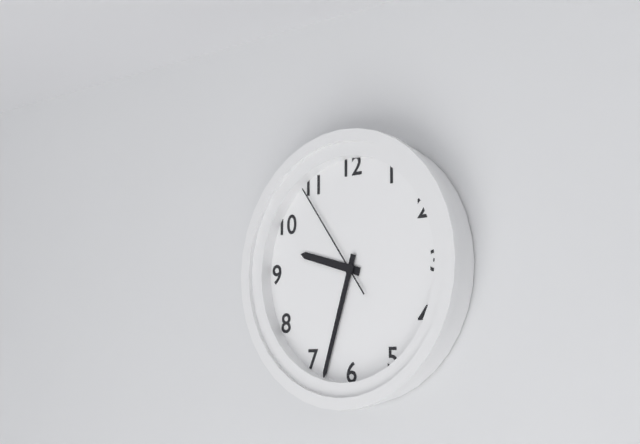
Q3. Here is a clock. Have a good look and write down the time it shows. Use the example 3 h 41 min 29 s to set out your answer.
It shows 9 h 33 min 54 s
